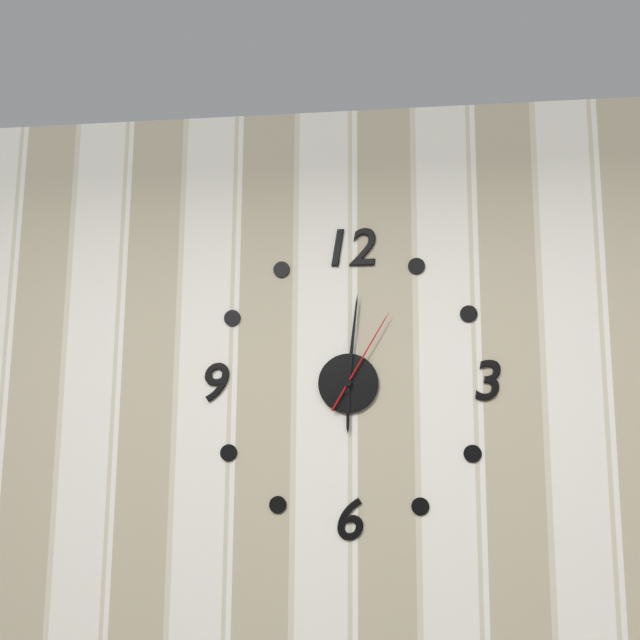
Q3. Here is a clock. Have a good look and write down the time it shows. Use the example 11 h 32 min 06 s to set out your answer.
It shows 6 h 01 min 05 s
